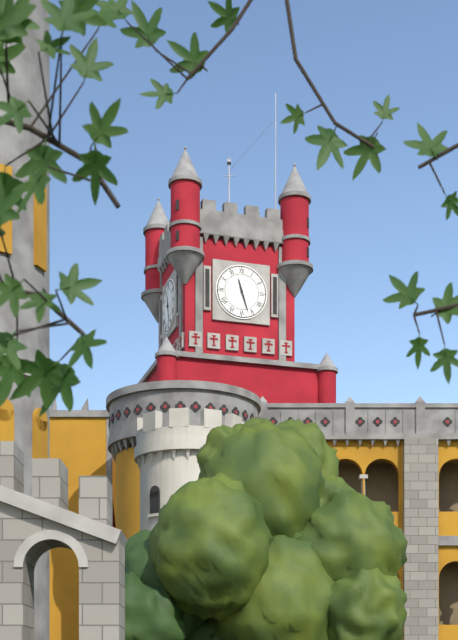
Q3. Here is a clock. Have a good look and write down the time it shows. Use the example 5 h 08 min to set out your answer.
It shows 11 h 27 min
